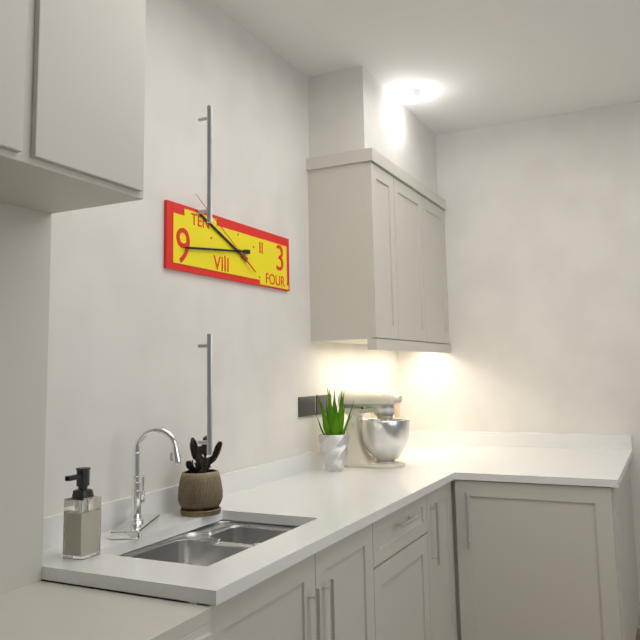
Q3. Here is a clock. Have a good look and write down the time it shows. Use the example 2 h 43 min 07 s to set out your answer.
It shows 9 h 44 min 50 s
